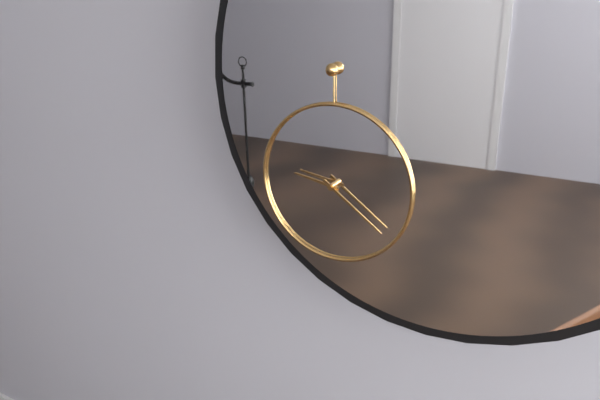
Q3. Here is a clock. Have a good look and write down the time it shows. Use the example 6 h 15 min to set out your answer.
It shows 9 h 21 min
